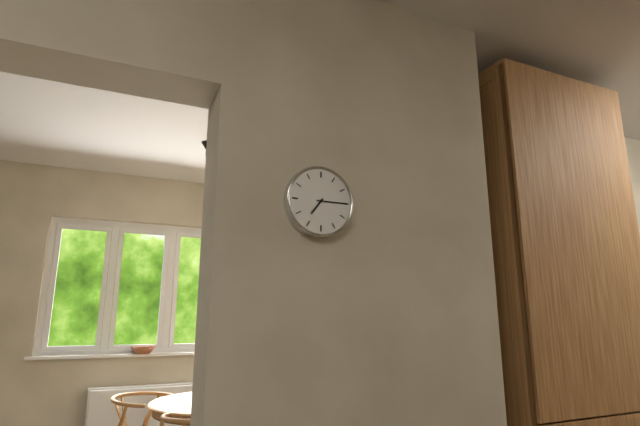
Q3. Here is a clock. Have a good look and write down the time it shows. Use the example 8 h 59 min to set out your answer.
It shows 7 h 15 min
